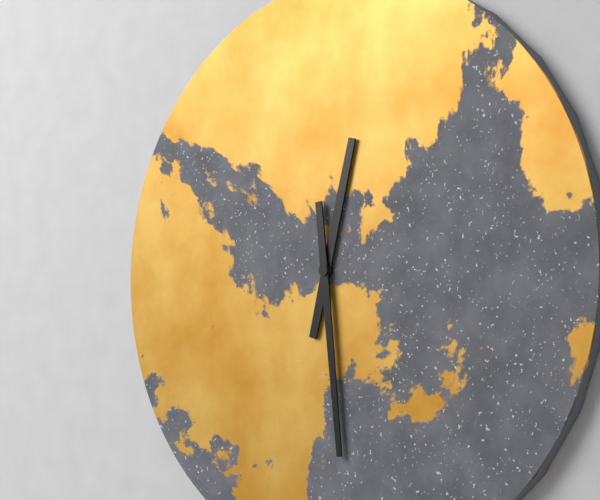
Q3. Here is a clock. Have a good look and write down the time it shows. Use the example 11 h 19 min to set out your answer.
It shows 12 h 29 min
